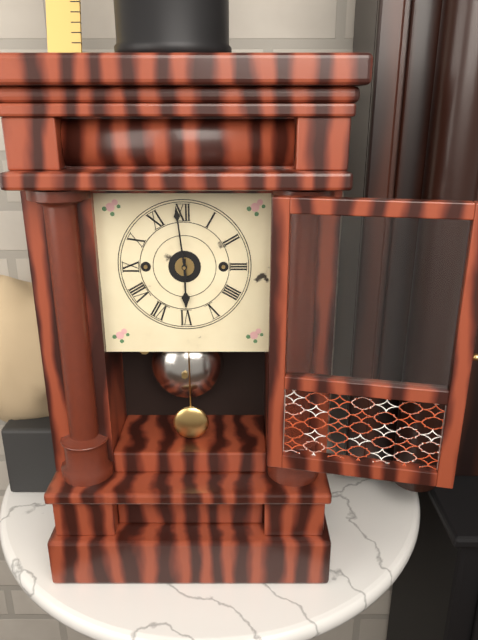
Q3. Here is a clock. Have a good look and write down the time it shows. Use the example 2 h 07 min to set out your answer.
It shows 5 h 59 min
